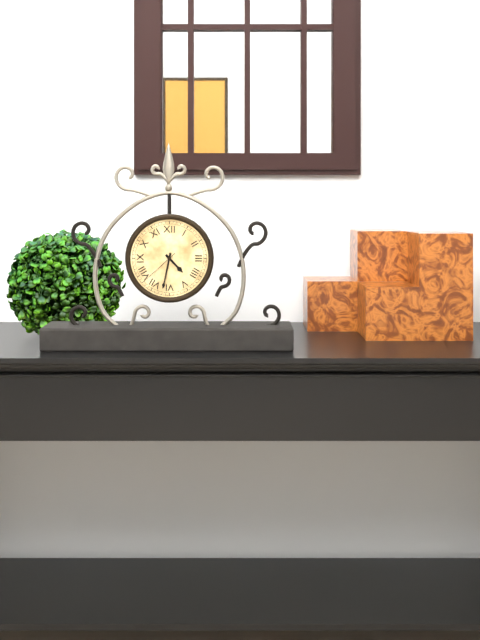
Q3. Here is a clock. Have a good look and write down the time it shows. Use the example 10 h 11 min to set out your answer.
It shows 4 h 32 min
